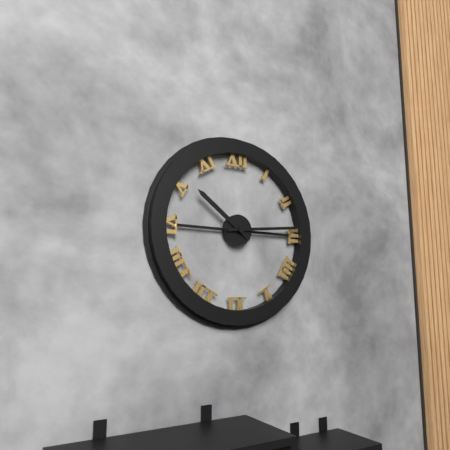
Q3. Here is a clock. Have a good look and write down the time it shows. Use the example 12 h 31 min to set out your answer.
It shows 10 h 14 min
